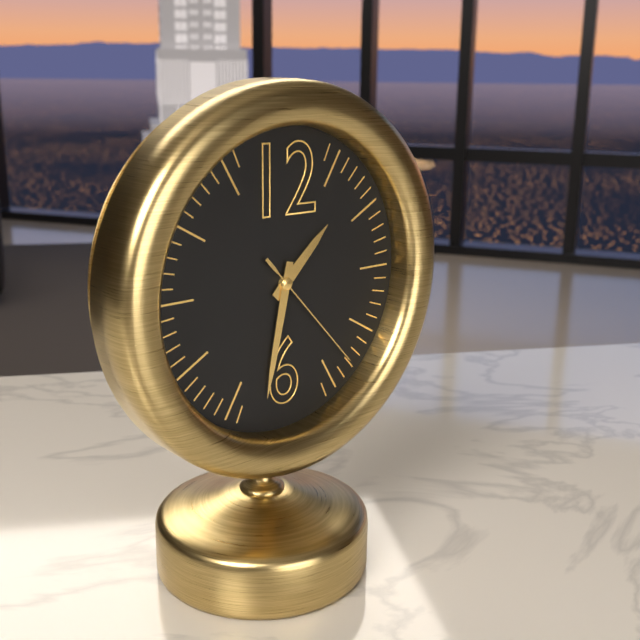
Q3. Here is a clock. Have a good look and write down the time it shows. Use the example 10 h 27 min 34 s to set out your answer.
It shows 1 h 32 min 23 s
